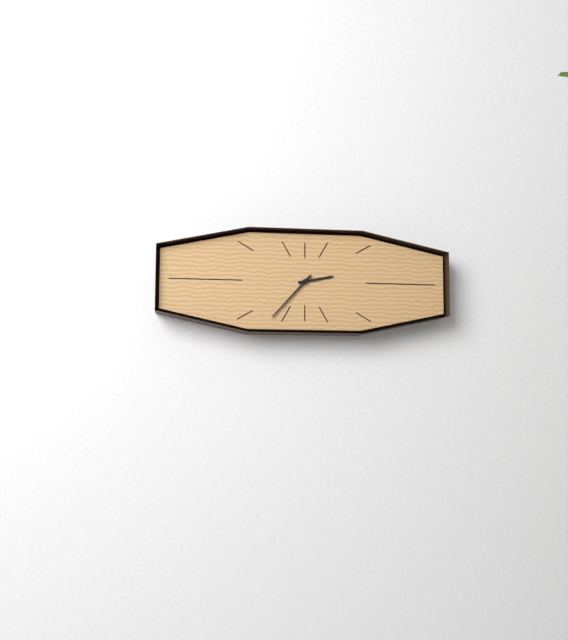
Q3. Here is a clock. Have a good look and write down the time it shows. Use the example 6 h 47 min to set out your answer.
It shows 2 h 37 min
